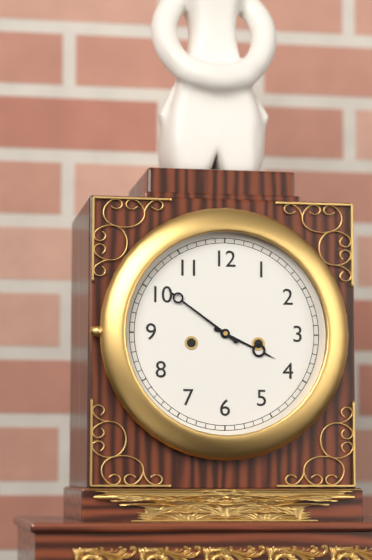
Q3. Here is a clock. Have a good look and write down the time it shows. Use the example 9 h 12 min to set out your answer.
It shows 3 h 51 min
